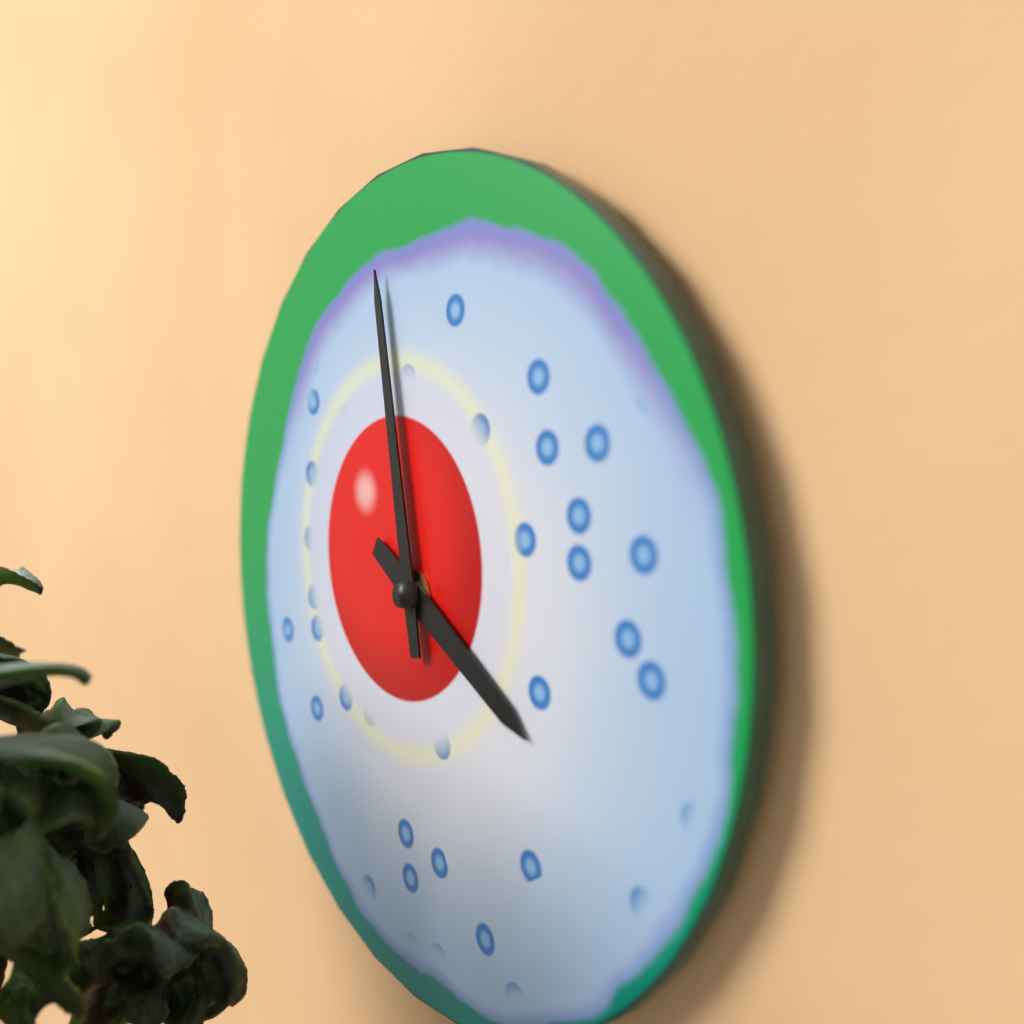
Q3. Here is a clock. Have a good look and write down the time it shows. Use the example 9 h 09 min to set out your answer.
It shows 3 h 58 min
